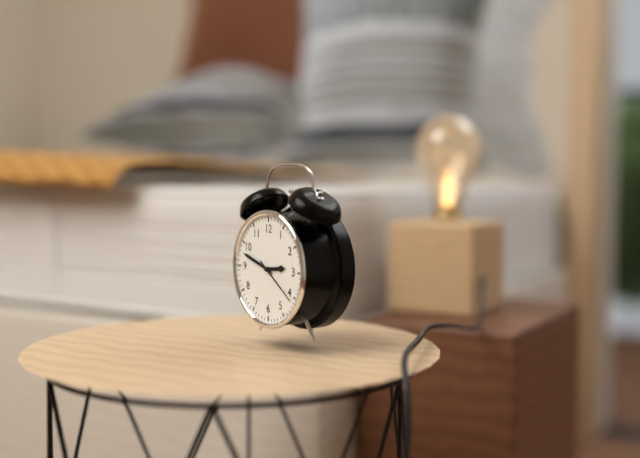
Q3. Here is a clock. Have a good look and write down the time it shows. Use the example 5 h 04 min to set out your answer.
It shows 2 h 48 min
